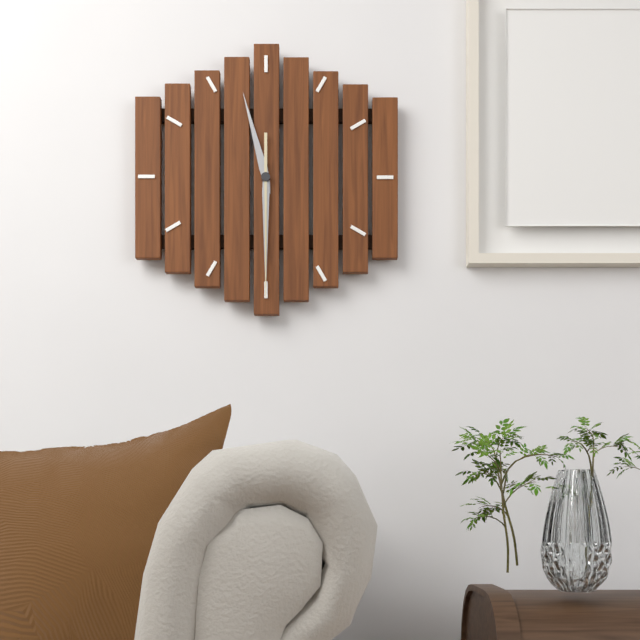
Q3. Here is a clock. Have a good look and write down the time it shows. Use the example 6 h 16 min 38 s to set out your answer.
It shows 11 h 30 min 30 s
